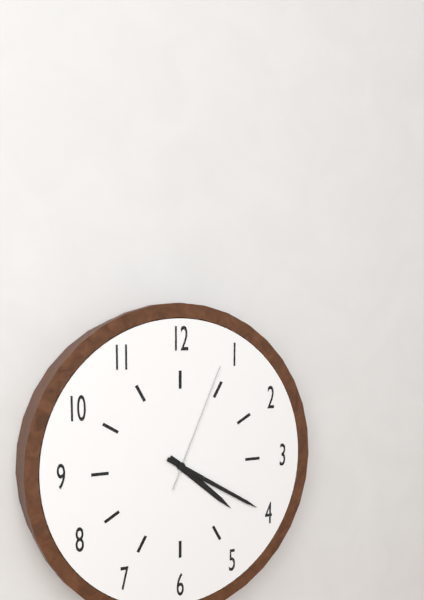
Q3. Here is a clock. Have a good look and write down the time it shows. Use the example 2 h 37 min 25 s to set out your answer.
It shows 4 h 20 min 04 s
